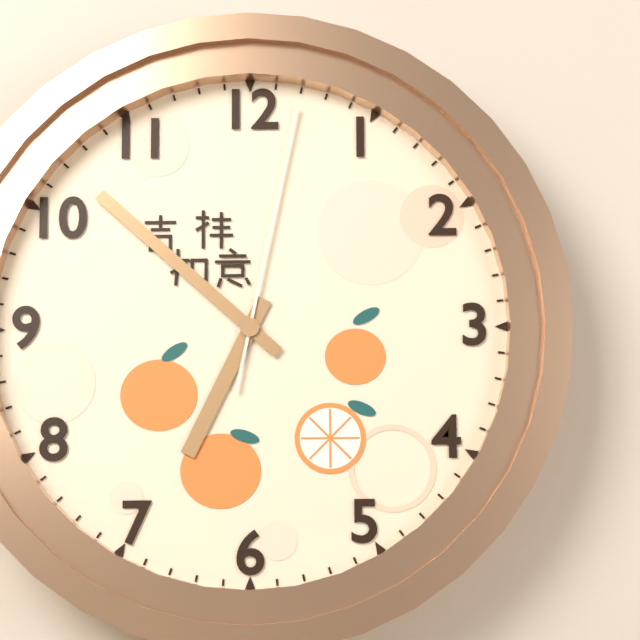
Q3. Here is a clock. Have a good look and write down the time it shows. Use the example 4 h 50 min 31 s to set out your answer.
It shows 6 h 52 min 02 s
